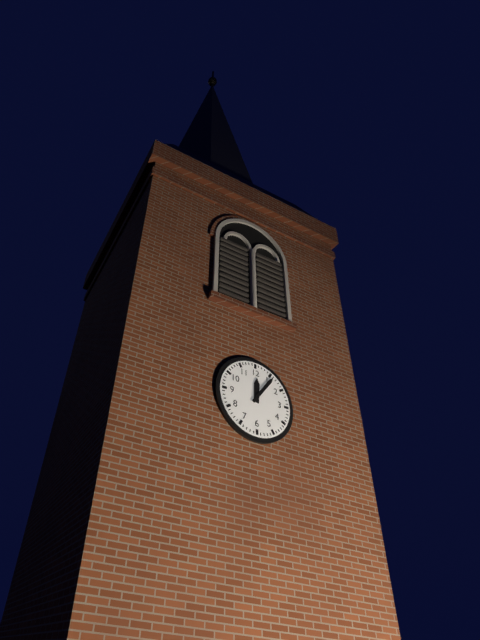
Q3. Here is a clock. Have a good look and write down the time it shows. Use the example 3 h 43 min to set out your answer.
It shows 12 h 06 min
